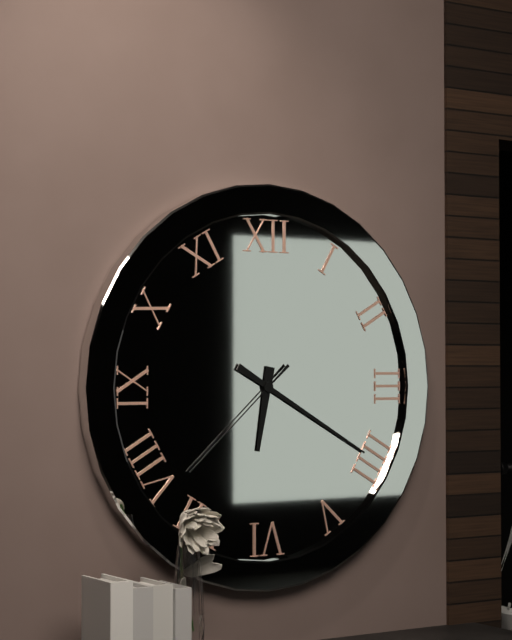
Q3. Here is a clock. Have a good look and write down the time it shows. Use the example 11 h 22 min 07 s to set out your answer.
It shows 6 h 20 min 38 s
